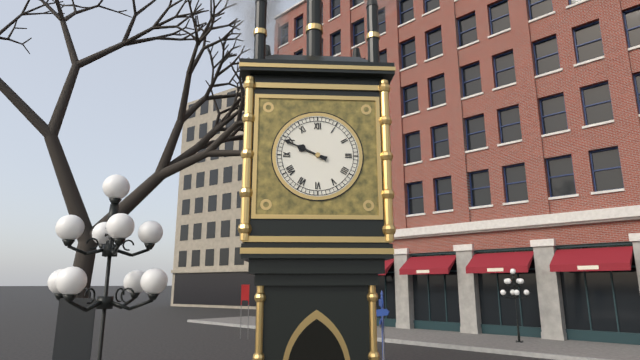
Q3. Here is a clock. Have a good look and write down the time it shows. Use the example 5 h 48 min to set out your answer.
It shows 9 h 49 min
